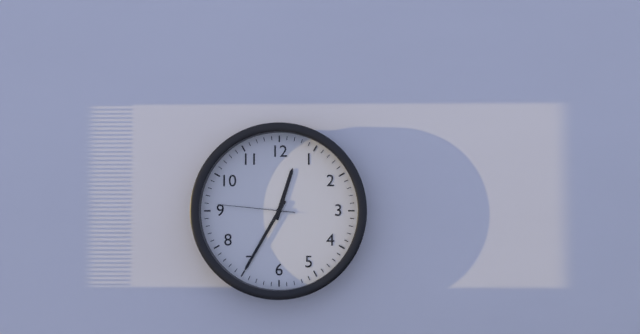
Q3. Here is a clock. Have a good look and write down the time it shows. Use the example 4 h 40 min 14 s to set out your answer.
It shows 12 h 35 min 46 s
